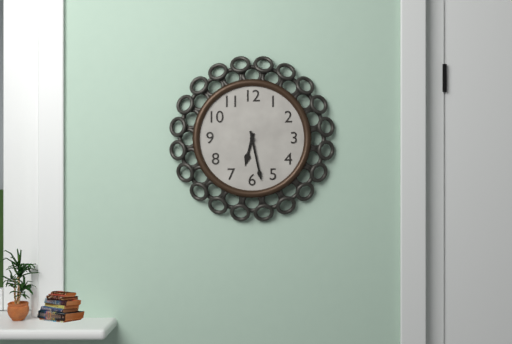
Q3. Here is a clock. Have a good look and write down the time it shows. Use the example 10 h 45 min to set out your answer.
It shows 6 h 28 min
